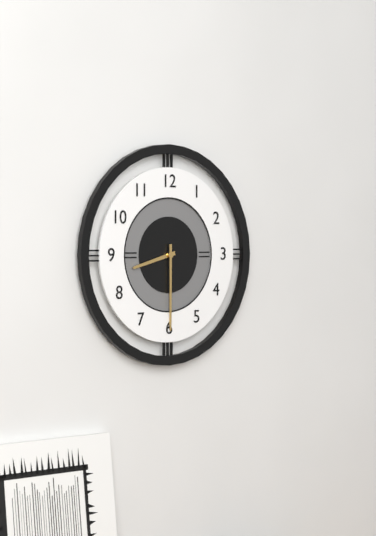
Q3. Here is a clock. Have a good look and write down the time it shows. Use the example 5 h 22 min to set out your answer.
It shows 8 h 30 min
